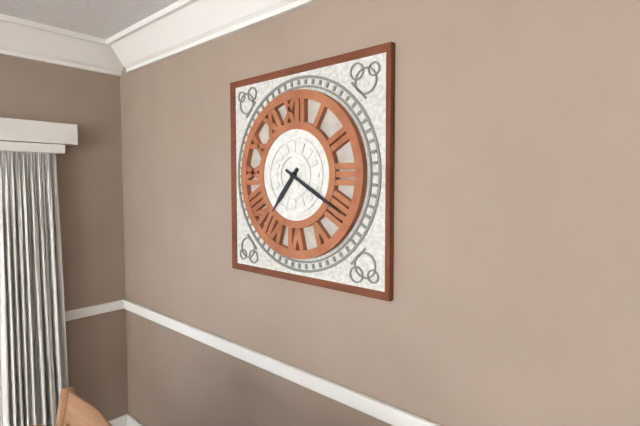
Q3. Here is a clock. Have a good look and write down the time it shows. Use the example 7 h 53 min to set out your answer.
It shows 7 h 20 min
